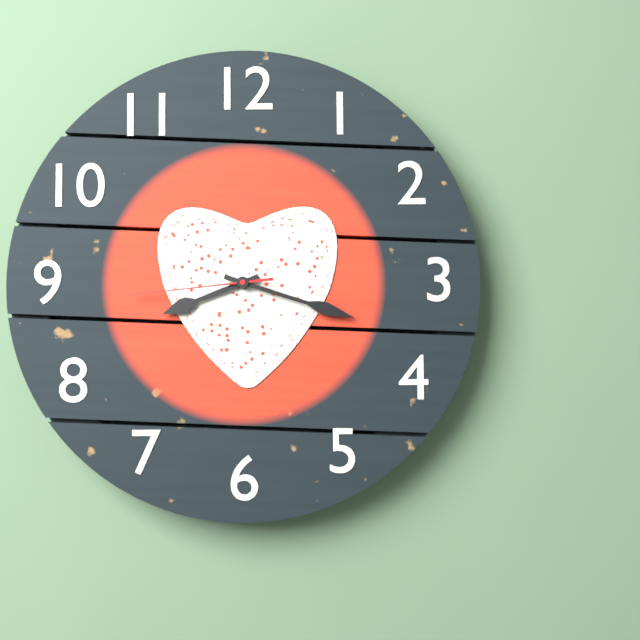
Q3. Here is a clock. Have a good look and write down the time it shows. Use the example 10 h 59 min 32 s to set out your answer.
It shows 8 h 18 min 44 s
